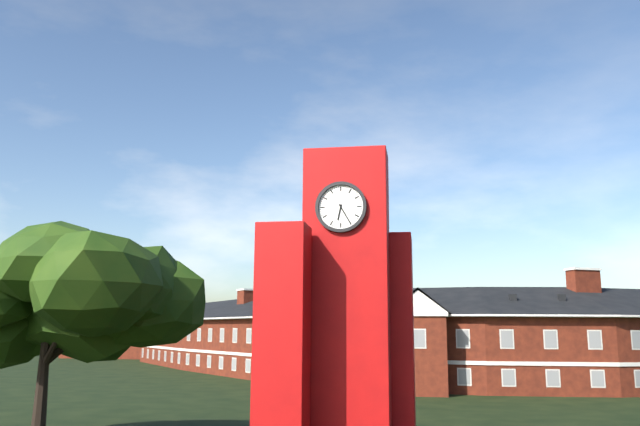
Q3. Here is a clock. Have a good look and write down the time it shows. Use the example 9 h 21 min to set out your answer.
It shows 6 h 25 min
